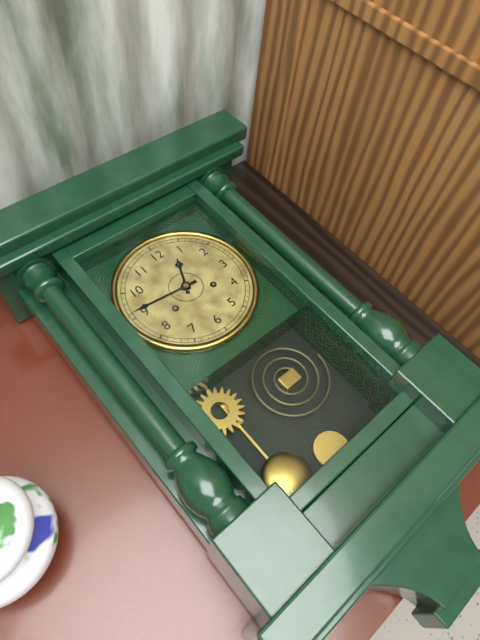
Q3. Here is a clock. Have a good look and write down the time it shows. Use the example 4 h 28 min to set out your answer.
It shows 12 h 46 min
